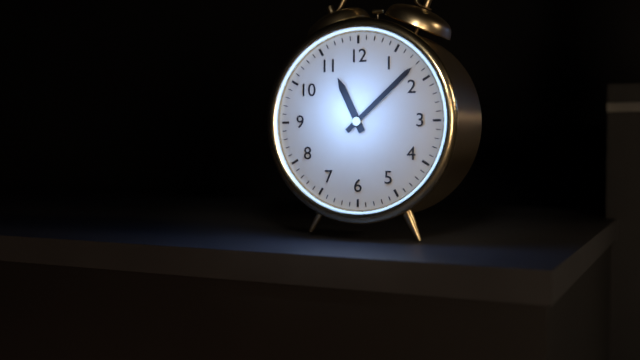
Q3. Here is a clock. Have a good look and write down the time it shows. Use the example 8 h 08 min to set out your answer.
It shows 11 h 08 min
